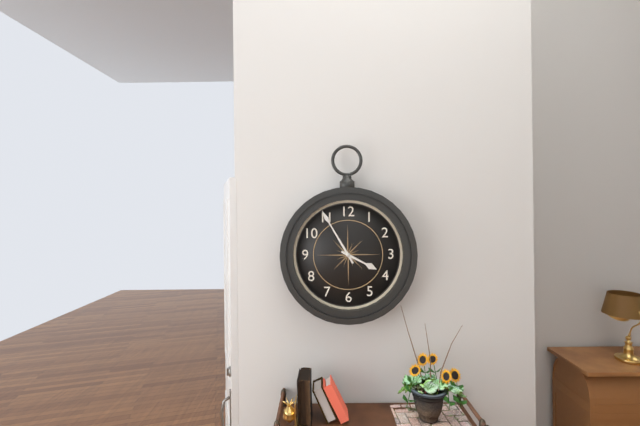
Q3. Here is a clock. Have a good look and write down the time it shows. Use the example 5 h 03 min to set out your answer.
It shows 3 h 55 min
